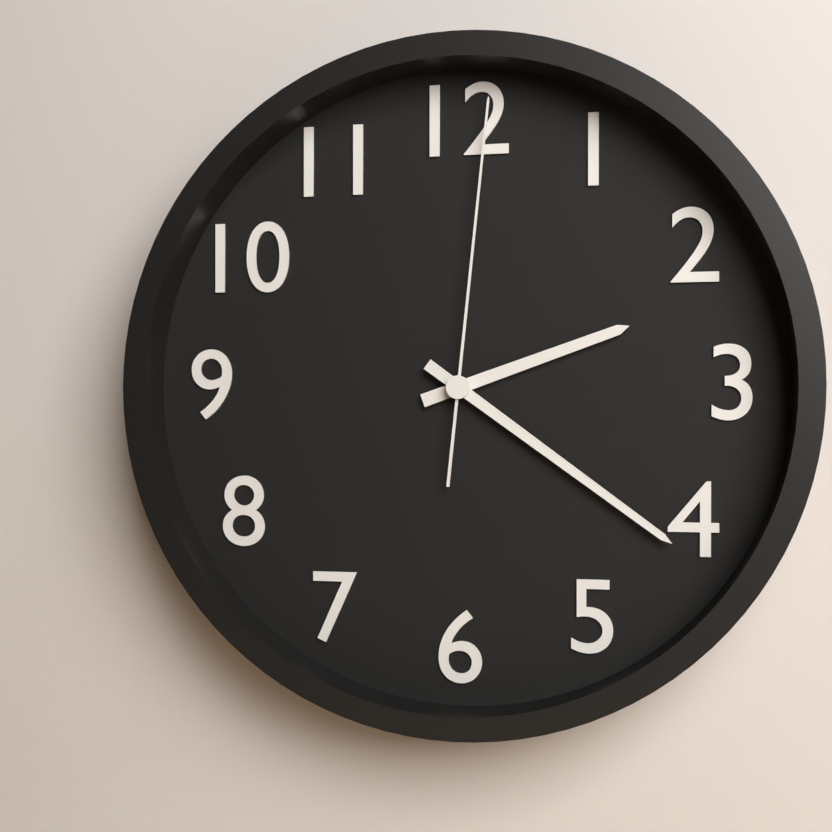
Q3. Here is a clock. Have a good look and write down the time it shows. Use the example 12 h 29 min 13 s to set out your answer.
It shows 2 h 21 min 01 s
